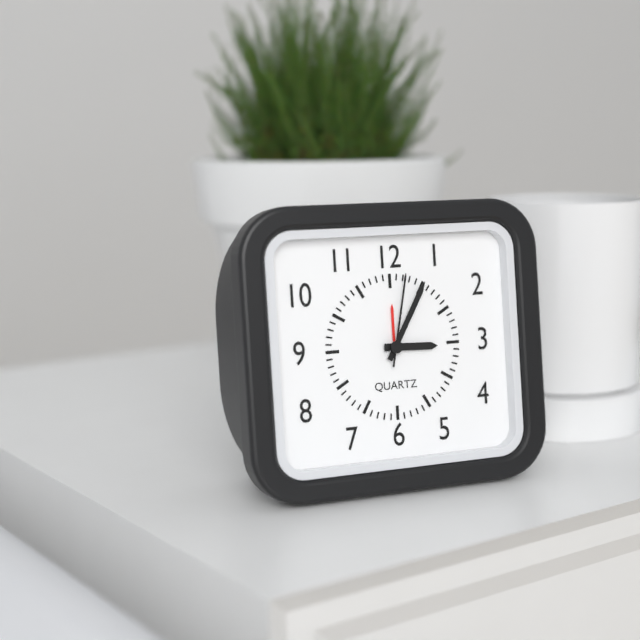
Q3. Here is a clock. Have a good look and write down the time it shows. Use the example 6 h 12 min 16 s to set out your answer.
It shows 3 h 05 min 02 s
